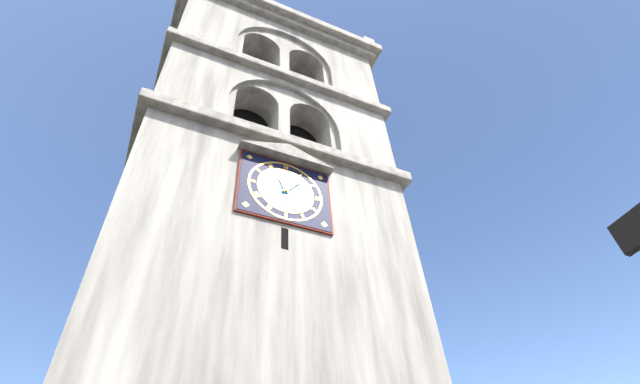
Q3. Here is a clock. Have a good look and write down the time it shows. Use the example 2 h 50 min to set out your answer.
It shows 11 h 07 min
